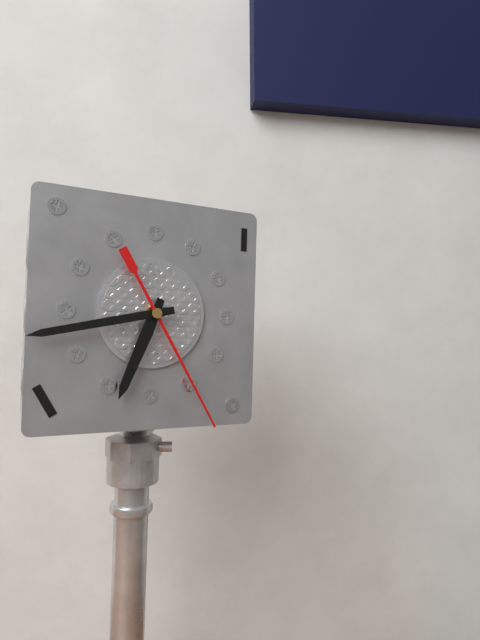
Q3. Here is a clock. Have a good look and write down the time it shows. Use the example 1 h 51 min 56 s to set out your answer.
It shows 6 h 43 min 25 s
